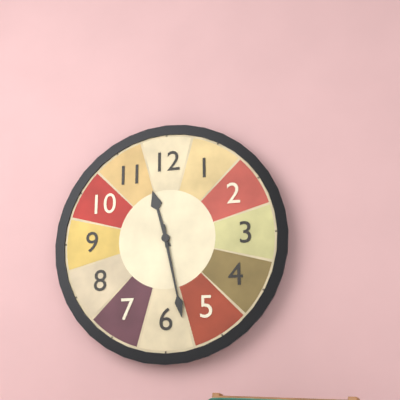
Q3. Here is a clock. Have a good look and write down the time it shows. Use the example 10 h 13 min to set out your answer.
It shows 11 h 28 min
